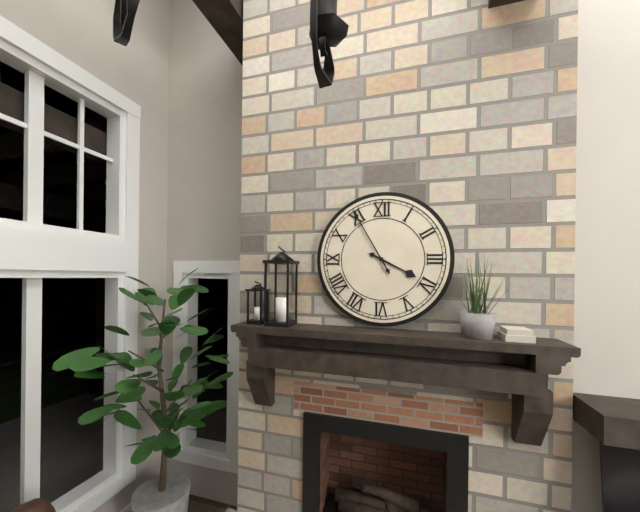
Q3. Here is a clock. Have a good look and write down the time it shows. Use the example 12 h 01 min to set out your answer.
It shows 3 h 55 min
